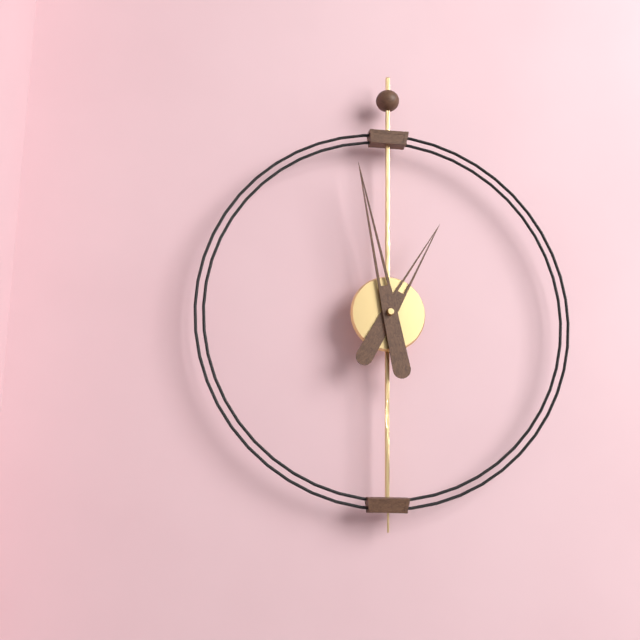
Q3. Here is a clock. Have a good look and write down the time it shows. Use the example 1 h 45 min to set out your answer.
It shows 12 h 58 min
